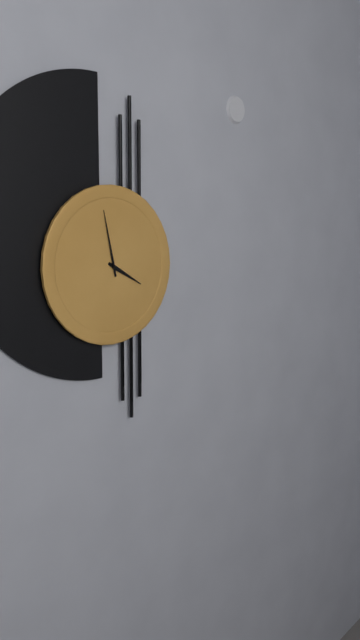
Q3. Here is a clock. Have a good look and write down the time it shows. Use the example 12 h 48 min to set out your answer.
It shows 3 h 58 min
